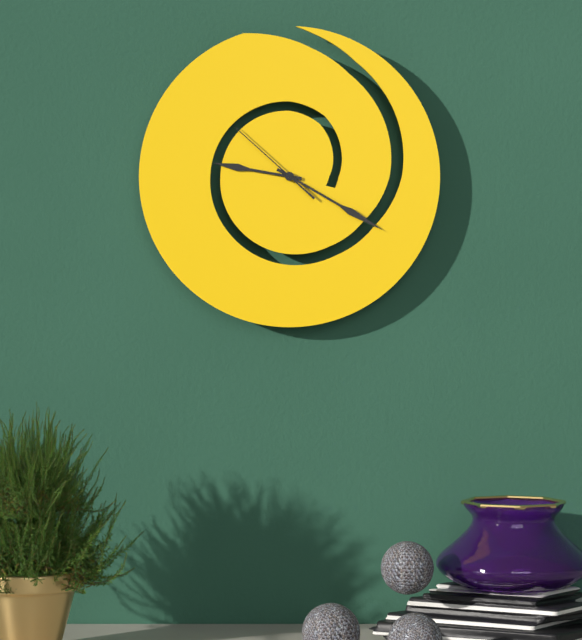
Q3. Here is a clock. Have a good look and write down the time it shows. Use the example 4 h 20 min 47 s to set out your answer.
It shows 9 h 20 min 52 s
